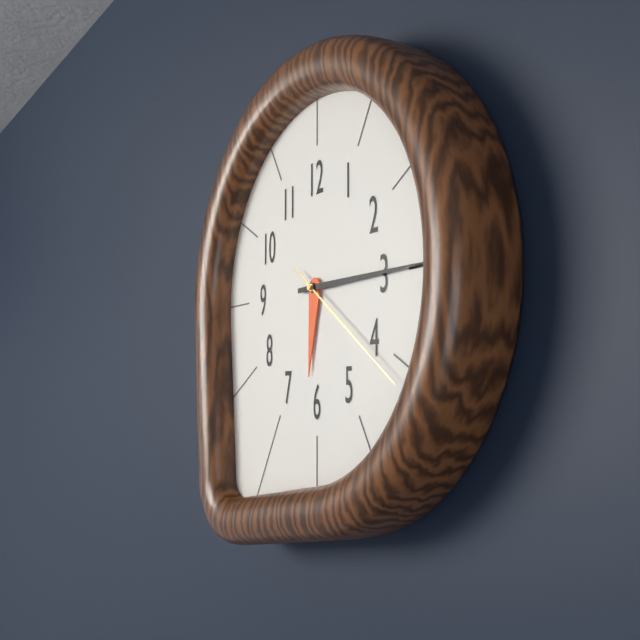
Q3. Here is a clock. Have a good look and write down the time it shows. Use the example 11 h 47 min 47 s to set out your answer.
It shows 6 h 15 min 21 s
